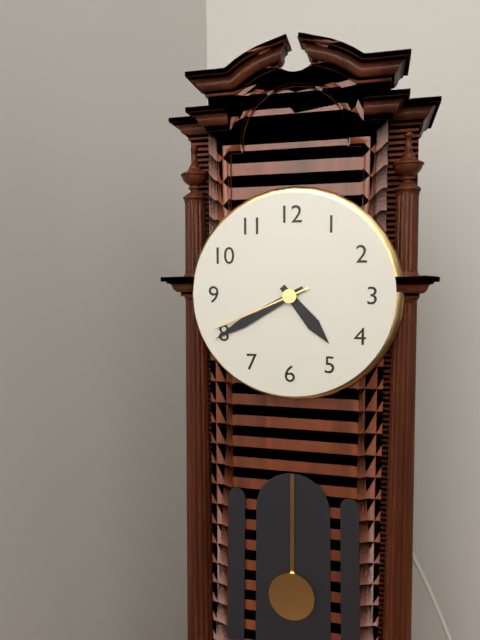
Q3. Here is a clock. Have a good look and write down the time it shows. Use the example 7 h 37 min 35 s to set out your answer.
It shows 4 h 40 min 41 s
